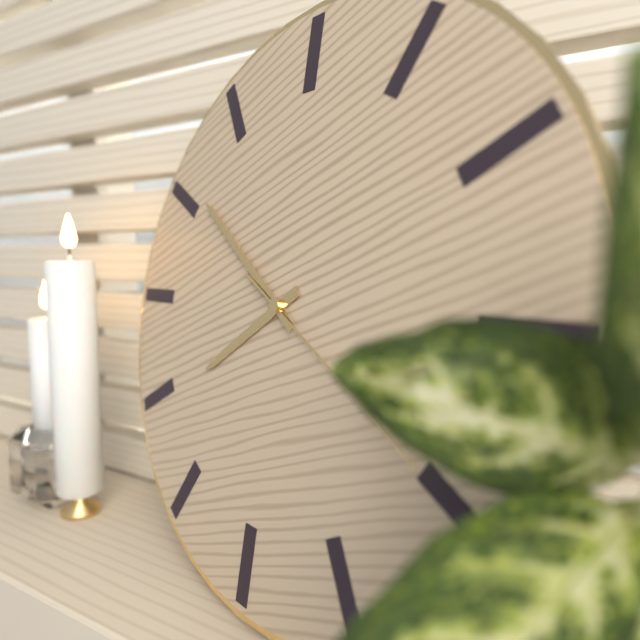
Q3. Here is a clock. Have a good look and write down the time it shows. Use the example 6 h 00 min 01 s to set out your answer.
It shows 7 h 51 min 20 s
